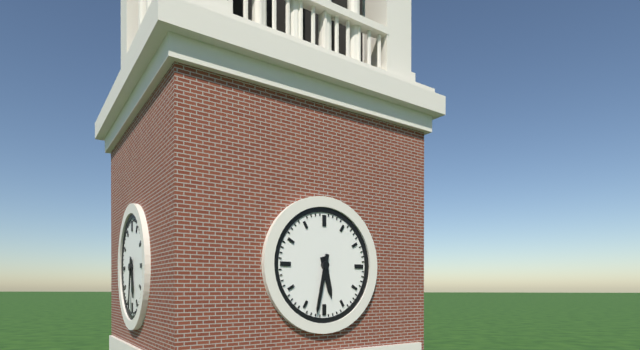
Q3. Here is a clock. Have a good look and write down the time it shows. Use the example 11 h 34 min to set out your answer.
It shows 5 h 32 min
